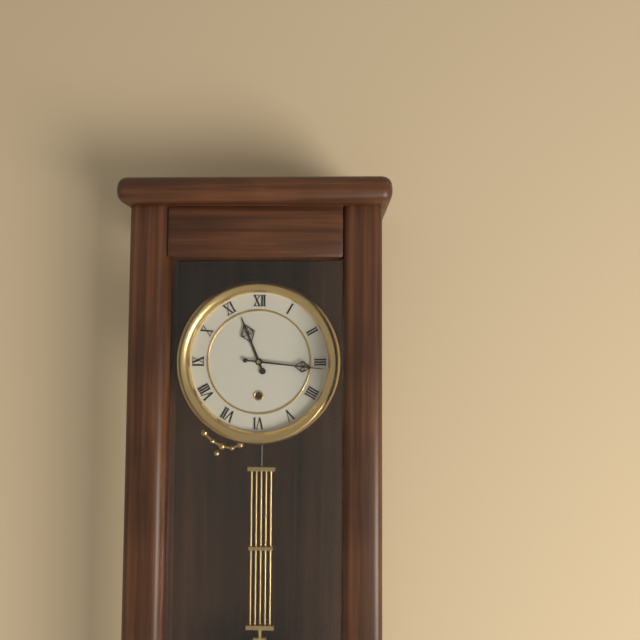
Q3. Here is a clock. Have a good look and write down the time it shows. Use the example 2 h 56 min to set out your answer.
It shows 11 h 16 min
